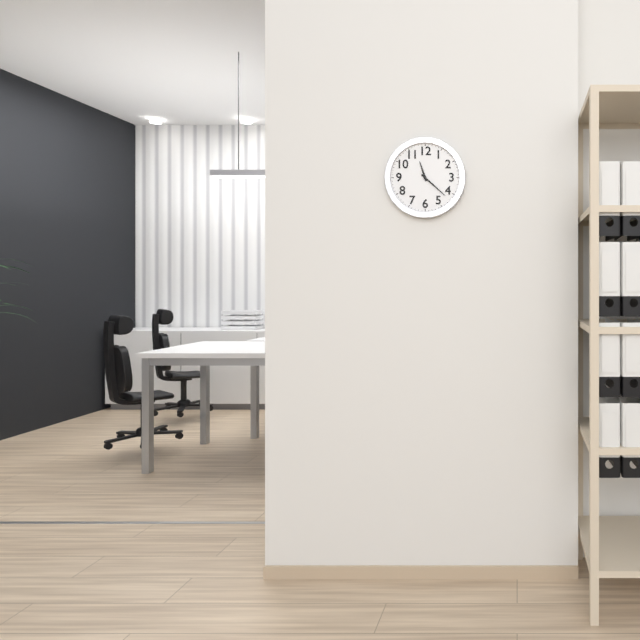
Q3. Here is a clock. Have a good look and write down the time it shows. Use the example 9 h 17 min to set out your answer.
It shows 11 h 22 min
